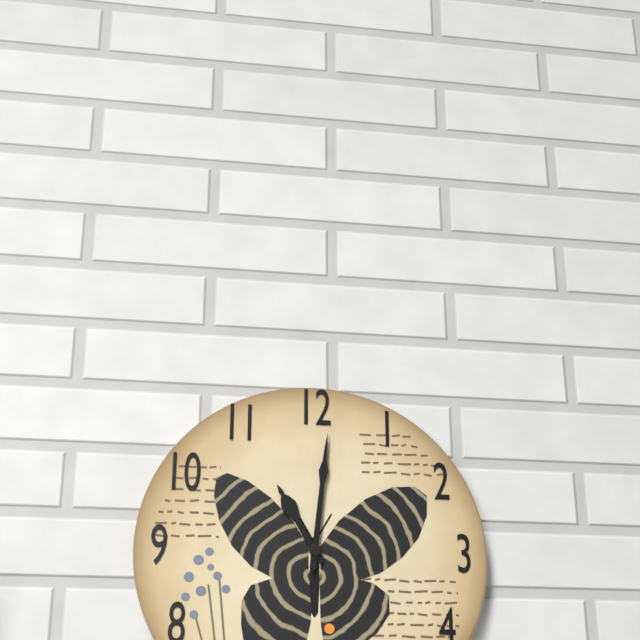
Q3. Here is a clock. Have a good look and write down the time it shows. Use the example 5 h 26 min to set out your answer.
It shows 11 h 01 min
